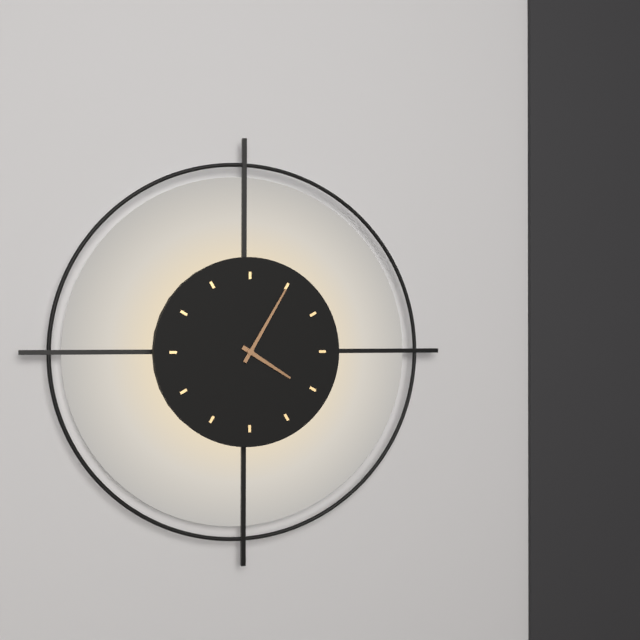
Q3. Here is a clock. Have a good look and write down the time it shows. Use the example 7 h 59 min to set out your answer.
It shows 4 h 05 min
